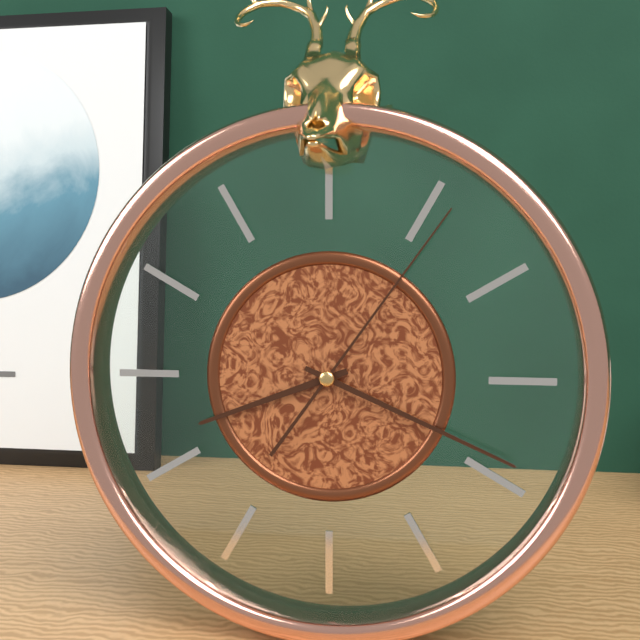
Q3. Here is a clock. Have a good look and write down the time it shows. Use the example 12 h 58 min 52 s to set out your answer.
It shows 8 h 19 min 06 s
